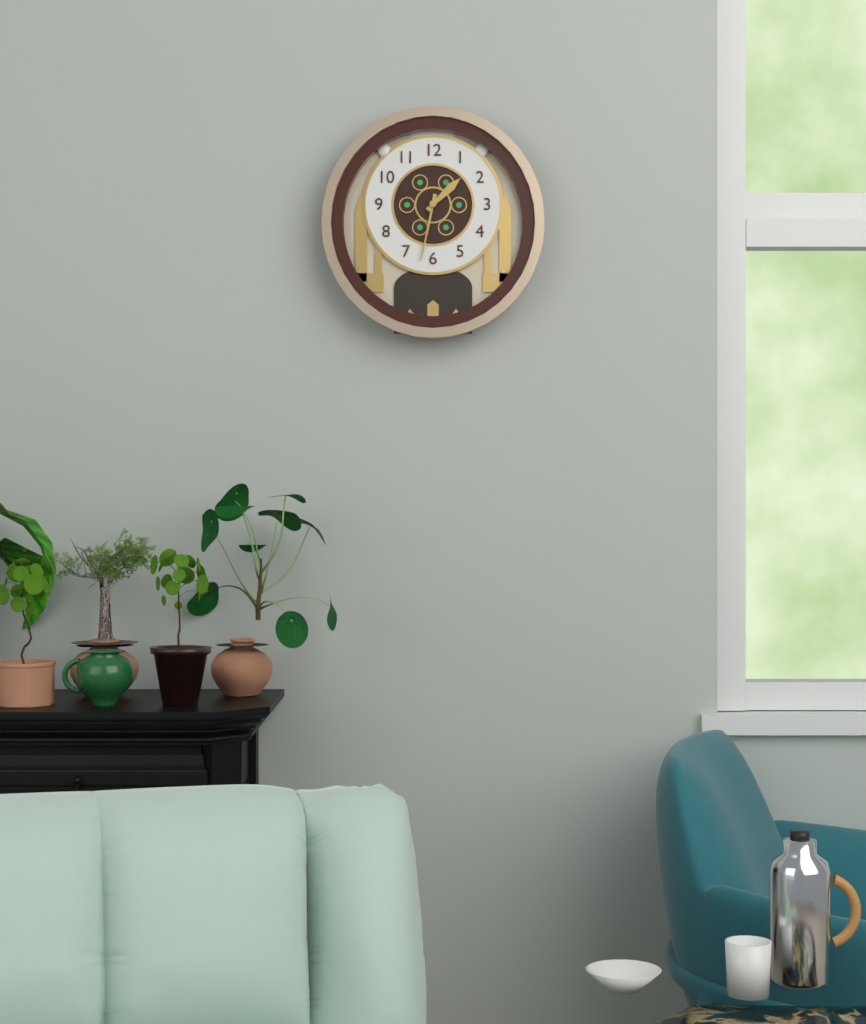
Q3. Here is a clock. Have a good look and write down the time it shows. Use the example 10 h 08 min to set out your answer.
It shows 1 h 32 min
